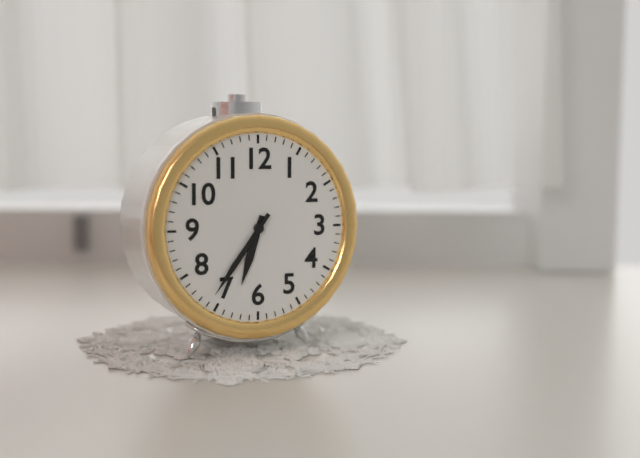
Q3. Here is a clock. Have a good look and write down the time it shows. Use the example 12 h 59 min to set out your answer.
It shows 6 h 36 min
